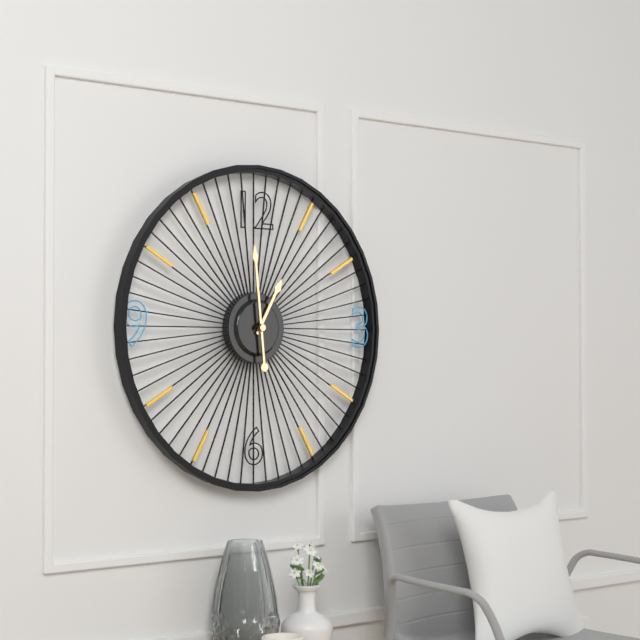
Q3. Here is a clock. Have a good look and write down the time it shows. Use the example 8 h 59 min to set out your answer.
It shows 12 h 59 min
